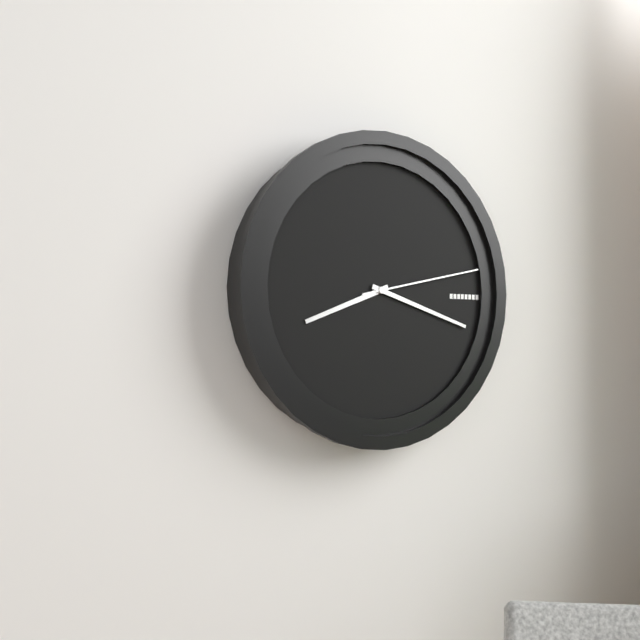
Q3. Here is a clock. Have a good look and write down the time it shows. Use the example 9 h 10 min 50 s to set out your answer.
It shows 8 h 18 min 13 s
